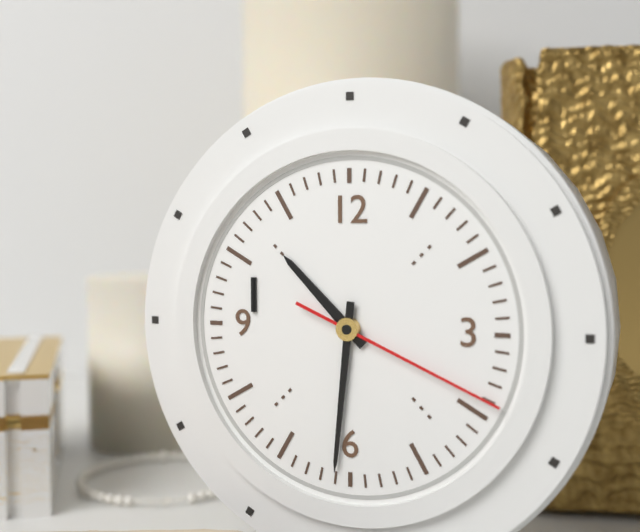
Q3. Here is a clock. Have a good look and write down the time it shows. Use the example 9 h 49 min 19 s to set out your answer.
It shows 10 h 31 min 19 s
